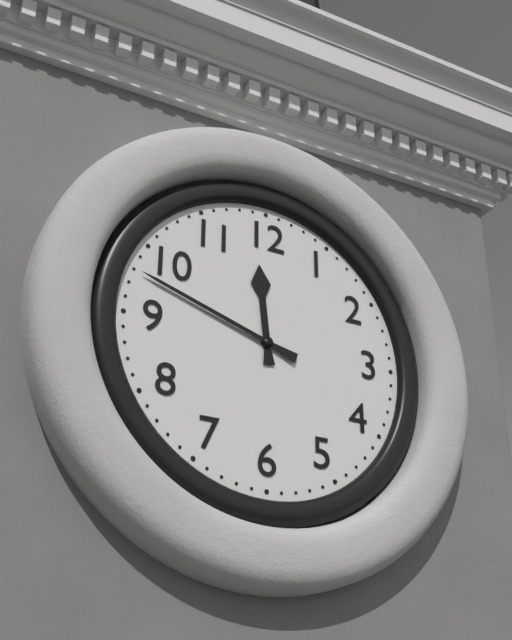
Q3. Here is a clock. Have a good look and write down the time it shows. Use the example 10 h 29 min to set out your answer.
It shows 11 h 48 min
